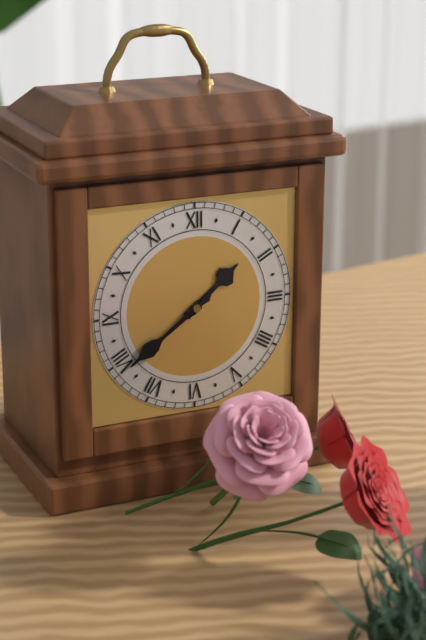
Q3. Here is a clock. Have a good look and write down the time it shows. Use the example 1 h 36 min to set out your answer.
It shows 1 h 39 min
